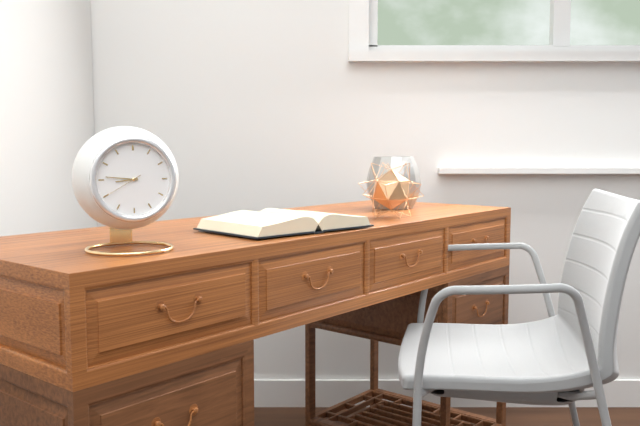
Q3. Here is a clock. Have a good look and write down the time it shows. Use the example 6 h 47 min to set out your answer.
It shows 8 h 46 min
